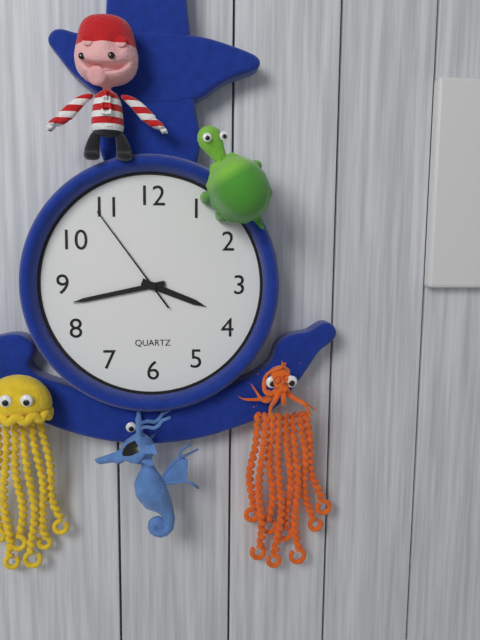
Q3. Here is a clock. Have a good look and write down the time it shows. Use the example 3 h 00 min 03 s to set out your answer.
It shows 3 h 43 min 54 s
